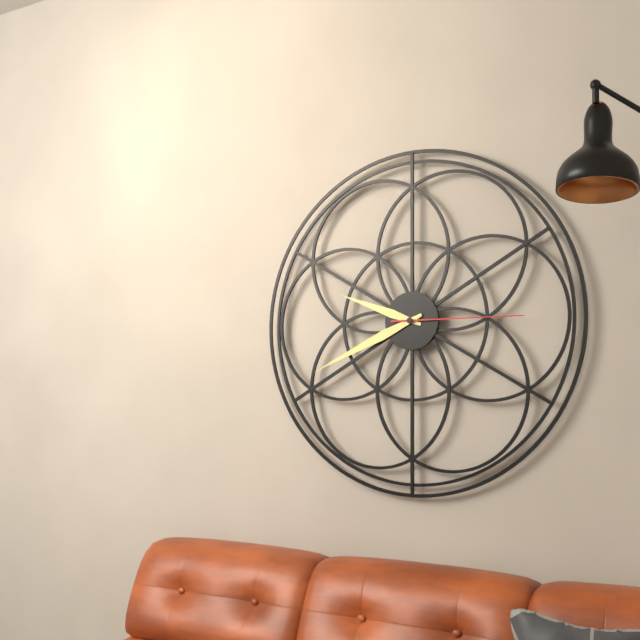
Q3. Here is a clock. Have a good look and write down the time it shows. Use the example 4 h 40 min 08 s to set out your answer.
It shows 9 h 41 min 15 s
